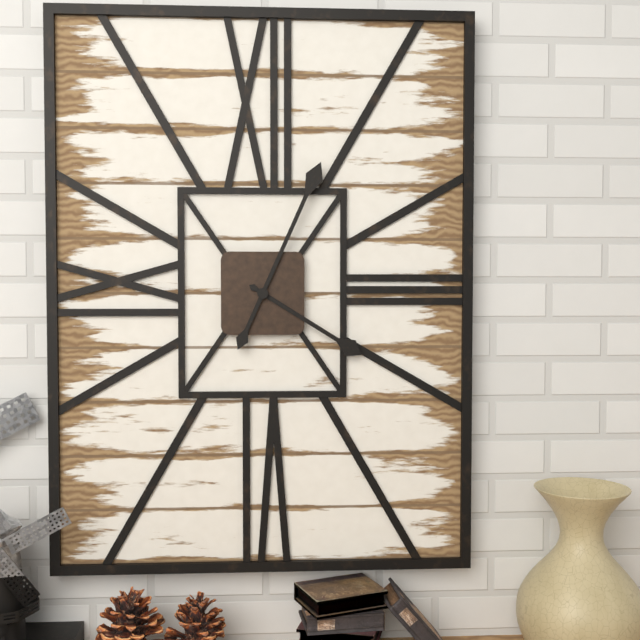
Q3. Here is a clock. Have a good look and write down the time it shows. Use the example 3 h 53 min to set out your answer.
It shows 4 h 04 min
